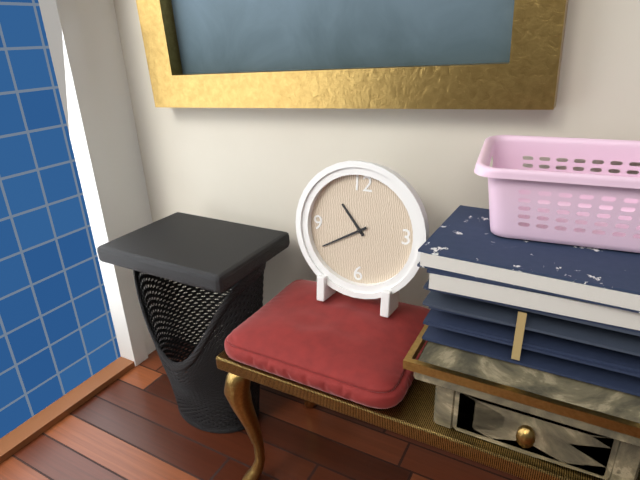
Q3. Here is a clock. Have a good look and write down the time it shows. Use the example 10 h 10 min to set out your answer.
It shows 10 h 40 min
